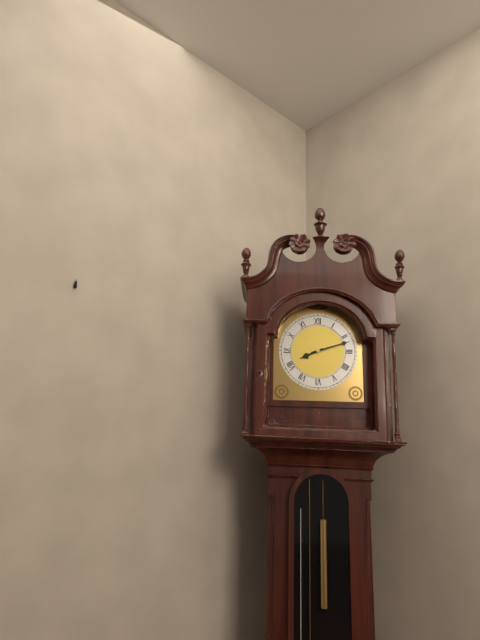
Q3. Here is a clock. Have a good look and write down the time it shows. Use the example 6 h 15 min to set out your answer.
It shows 8 h 12 min
